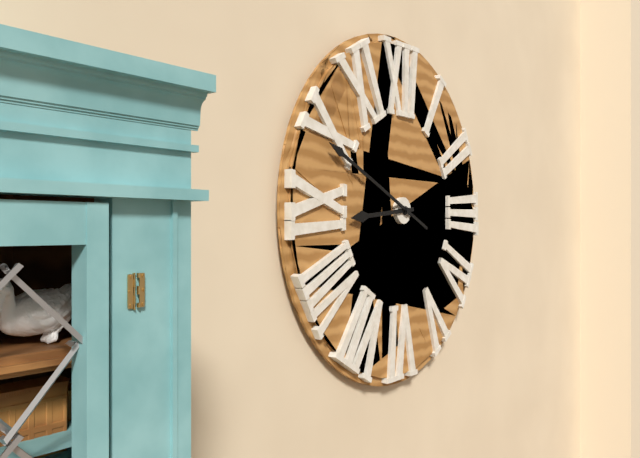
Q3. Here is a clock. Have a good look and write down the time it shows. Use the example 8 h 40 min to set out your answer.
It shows 8 h 49 min
